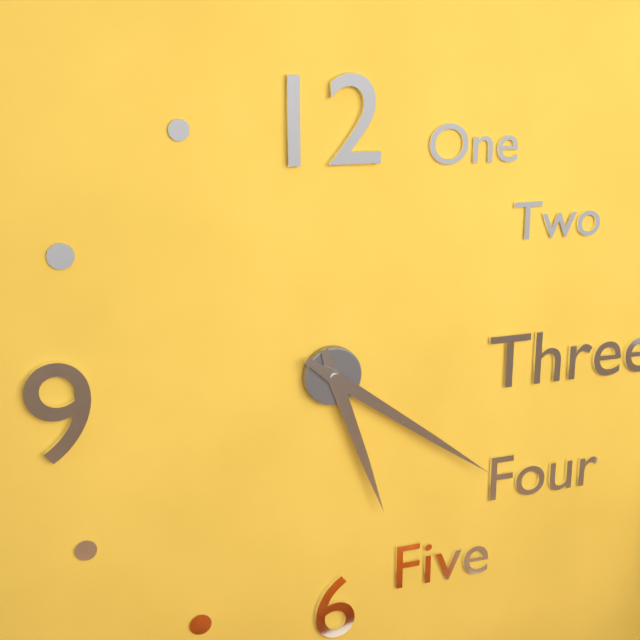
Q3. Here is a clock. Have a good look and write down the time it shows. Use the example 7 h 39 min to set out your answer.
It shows 5 h 21 min
